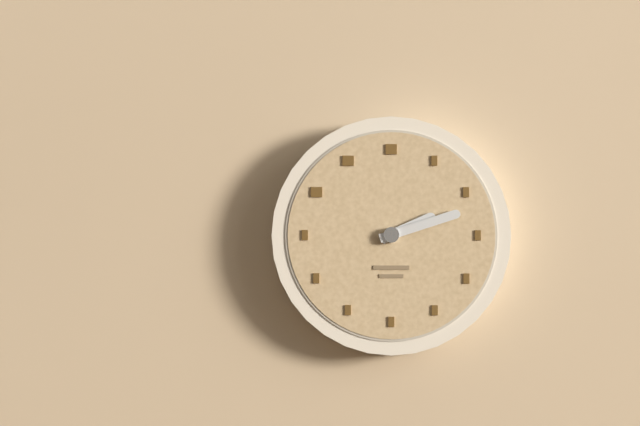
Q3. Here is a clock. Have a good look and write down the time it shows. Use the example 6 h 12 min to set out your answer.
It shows 2 h 12 min
